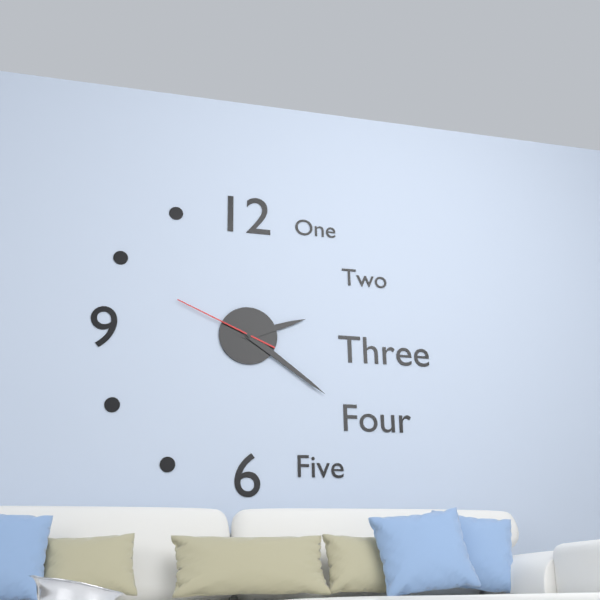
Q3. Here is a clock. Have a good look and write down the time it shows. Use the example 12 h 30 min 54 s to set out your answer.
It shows 2 h 21 min 49 s
